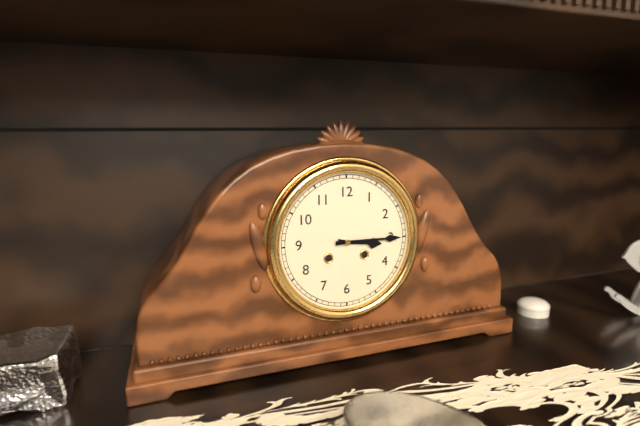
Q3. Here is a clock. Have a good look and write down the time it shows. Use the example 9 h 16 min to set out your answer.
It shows 3 h 15 min
